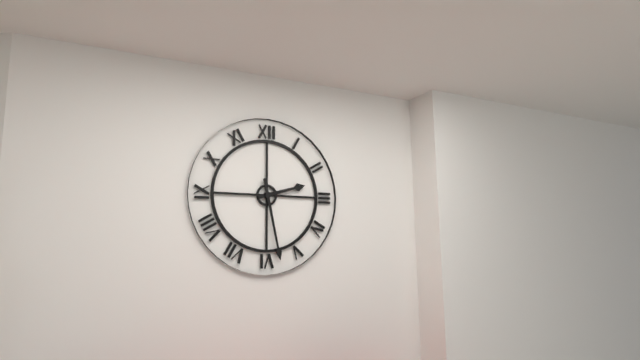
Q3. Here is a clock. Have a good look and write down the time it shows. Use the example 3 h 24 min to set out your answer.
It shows 2 h 28 min
